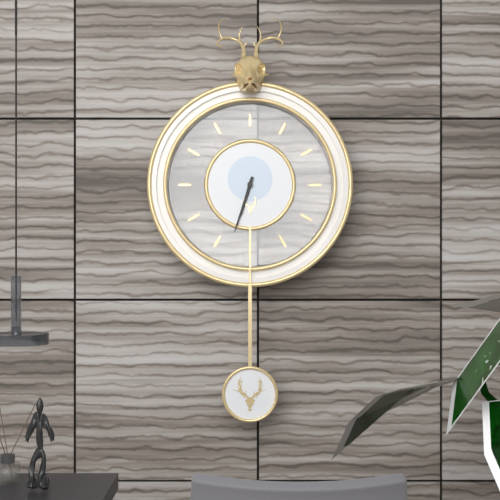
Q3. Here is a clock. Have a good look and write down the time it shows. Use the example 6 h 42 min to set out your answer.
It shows 6 h 33 min
